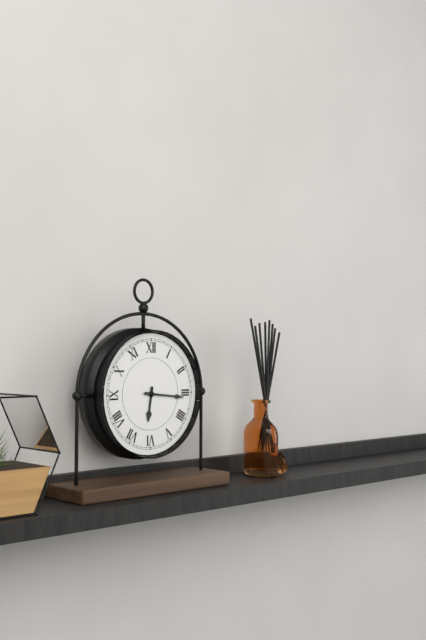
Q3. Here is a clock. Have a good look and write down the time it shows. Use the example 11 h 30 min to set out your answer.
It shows 6 h 16 min
